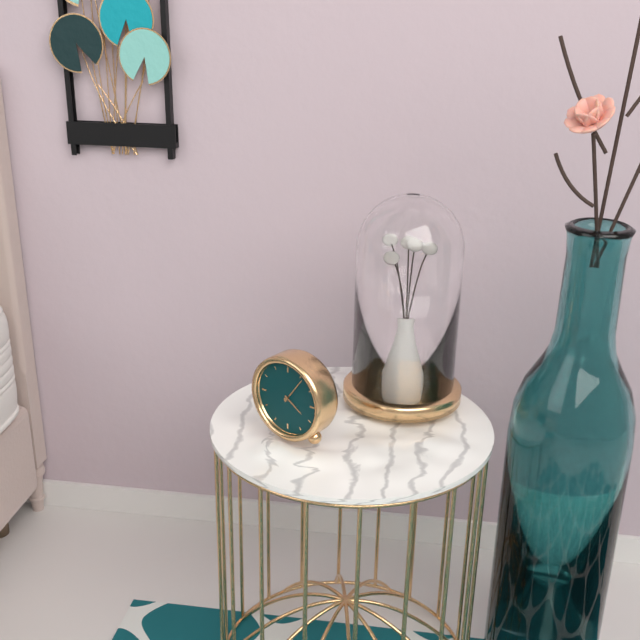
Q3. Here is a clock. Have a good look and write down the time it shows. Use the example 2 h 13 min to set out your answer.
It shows 4 h 06 min
